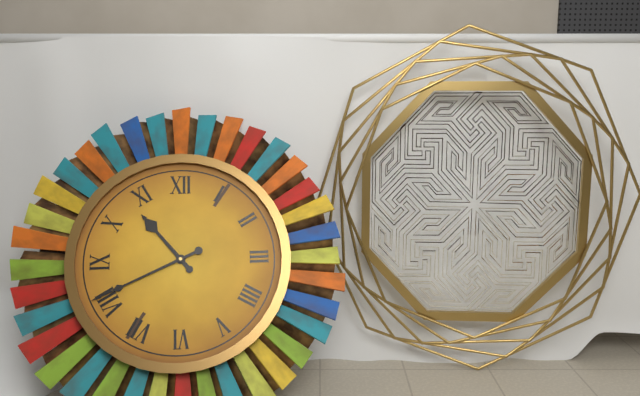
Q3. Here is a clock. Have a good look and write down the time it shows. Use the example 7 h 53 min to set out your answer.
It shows 10 h 41 min
